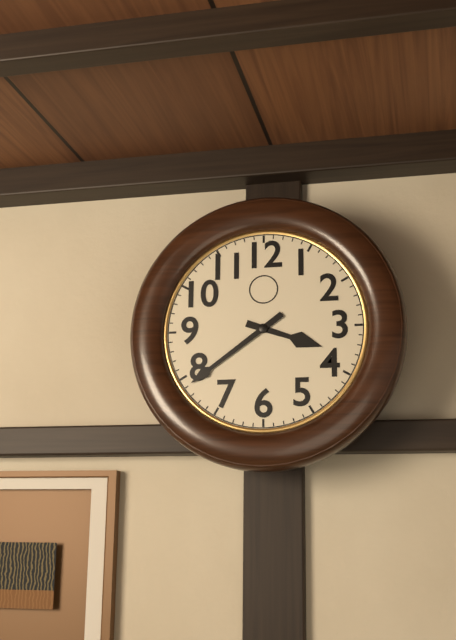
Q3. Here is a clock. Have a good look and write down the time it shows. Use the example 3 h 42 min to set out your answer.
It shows 3 h 39 min
